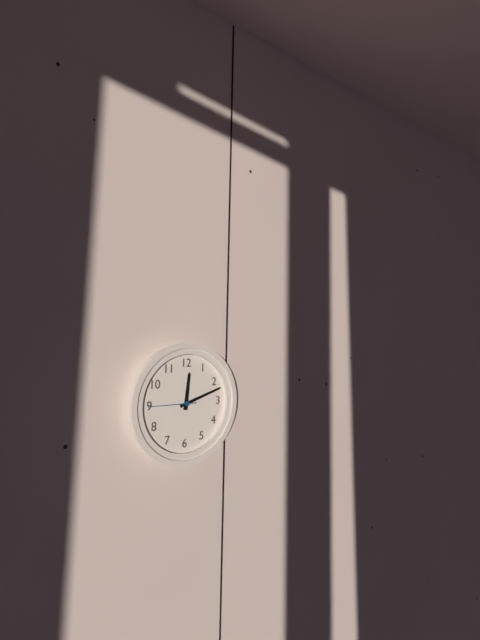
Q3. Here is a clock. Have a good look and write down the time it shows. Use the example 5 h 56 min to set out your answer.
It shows 12 h 12 min
